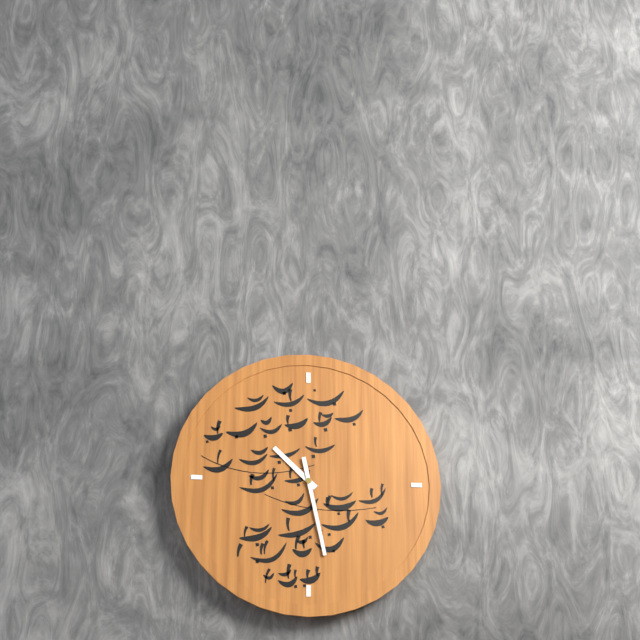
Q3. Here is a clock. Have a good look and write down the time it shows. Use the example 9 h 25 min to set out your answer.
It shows 10 h 28 min
